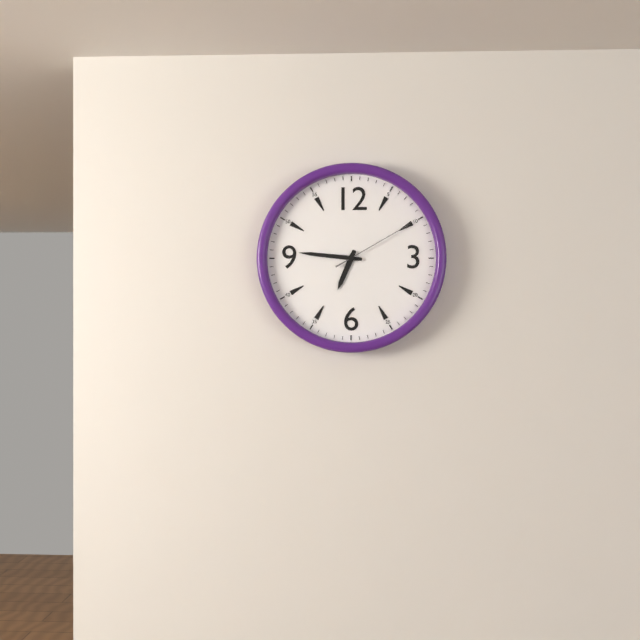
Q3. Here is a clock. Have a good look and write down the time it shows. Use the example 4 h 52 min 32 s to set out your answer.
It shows 6 h 46 min 10 s
